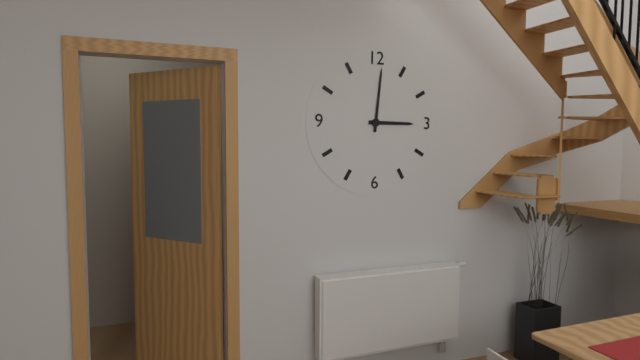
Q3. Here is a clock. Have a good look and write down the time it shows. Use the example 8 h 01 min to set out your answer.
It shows 3 h 01 min
